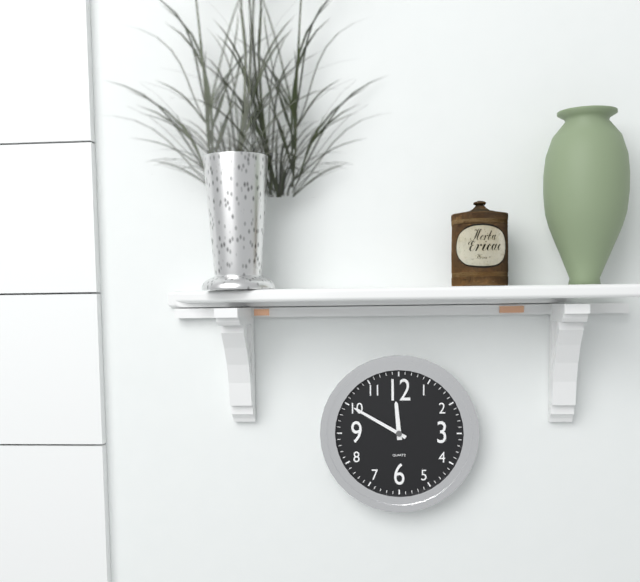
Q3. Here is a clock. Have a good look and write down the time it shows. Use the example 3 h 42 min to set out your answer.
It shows 11 h 50 min
